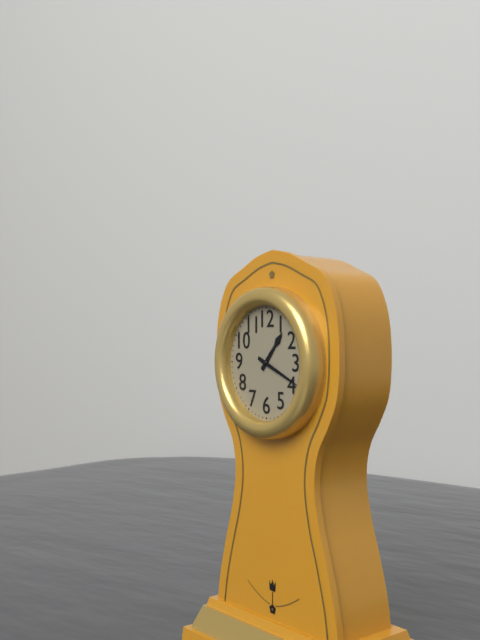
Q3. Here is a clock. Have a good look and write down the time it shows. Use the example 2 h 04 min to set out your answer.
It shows 1 h 19 min
